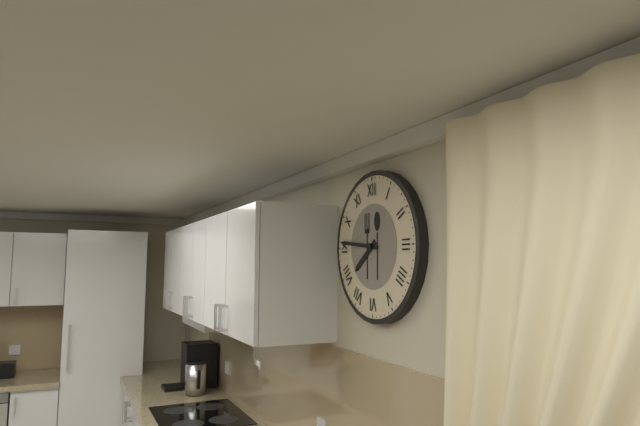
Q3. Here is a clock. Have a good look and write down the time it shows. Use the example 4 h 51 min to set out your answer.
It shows 7 h 46 min
